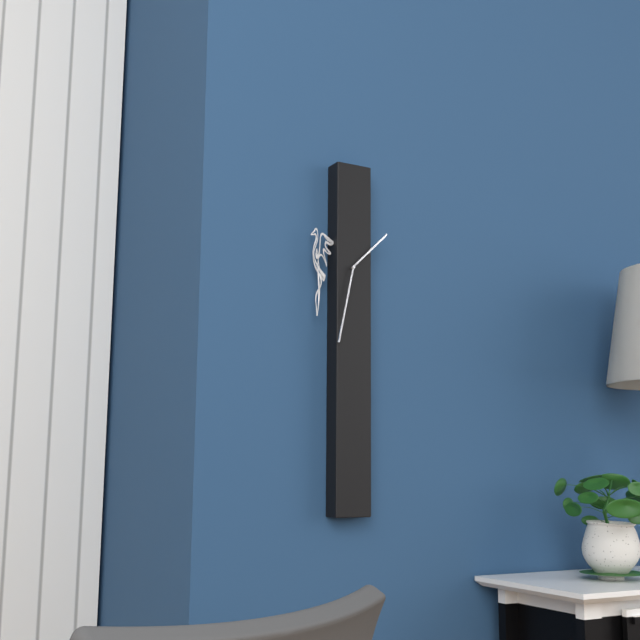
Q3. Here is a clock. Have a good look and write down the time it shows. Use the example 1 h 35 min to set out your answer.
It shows 1 h 32 min
